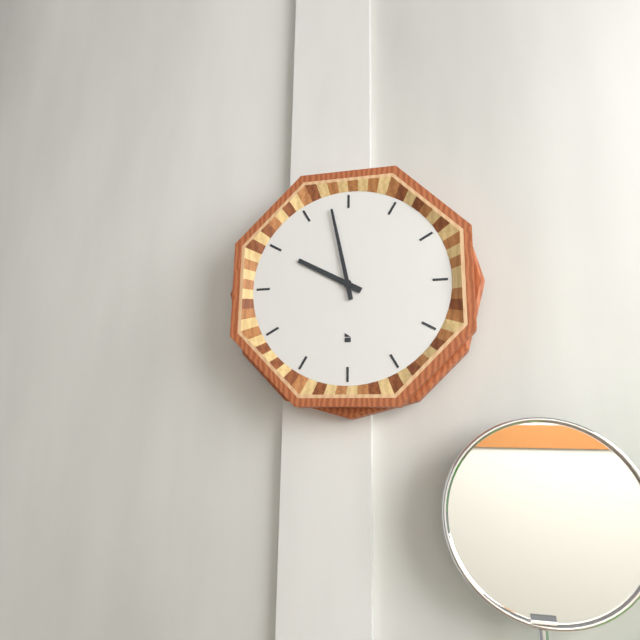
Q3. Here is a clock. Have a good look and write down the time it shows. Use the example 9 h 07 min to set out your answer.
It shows 9 h 58 min
